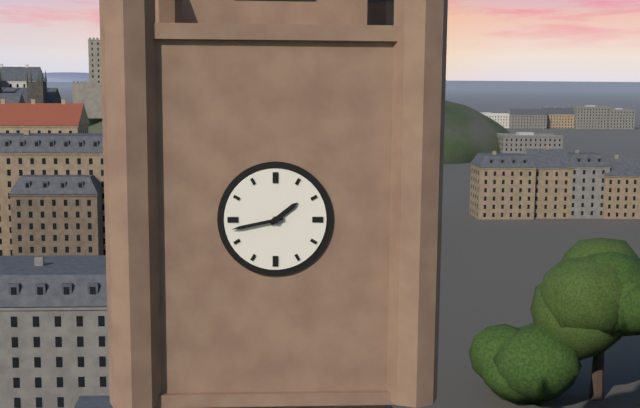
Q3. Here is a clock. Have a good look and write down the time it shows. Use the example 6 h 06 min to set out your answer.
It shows 1 h 43 min
